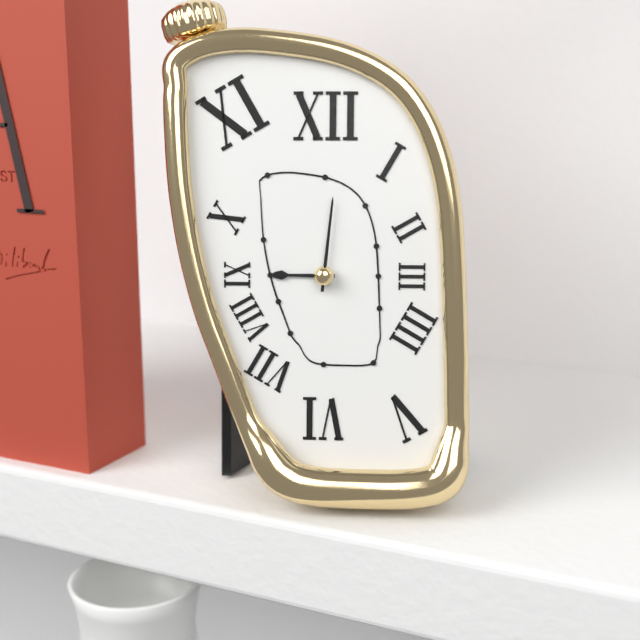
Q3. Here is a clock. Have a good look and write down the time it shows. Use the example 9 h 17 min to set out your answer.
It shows 9 h 01 min
